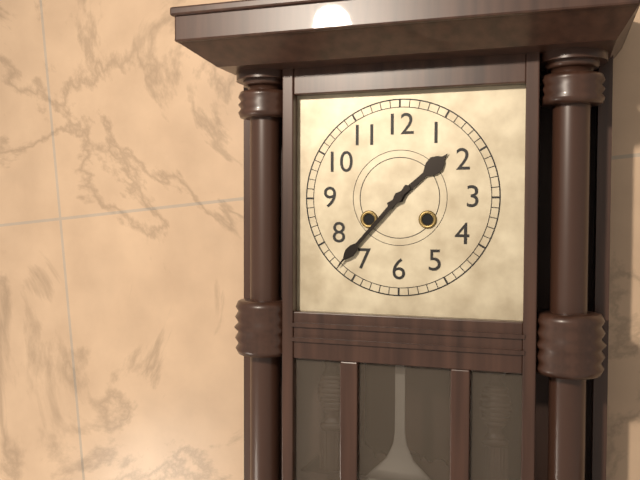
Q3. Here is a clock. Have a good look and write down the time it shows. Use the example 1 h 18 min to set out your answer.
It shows 1 h 37 min
